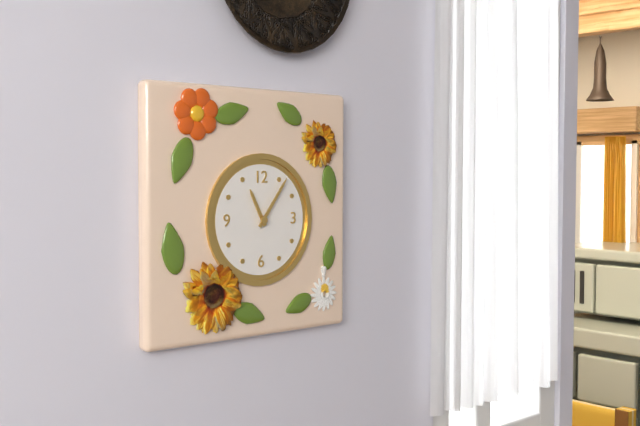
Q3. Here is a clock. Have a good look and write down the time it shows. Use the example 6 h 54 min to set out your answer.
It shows 11 h 06 min
